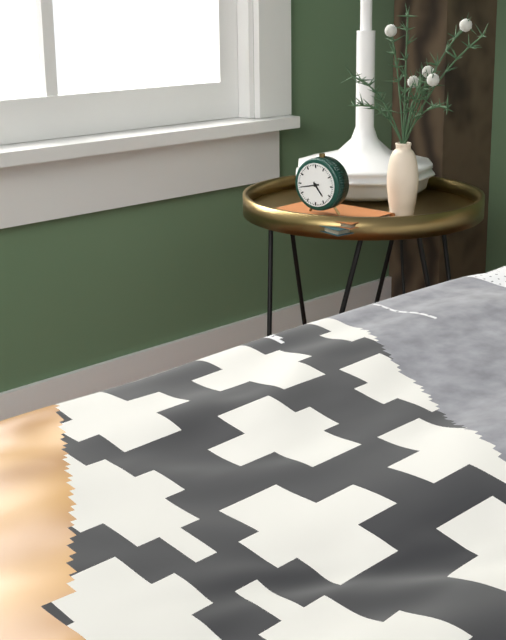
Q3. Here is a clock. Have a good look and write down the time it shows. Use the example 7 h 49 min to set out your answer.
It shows 4 h 43 min
